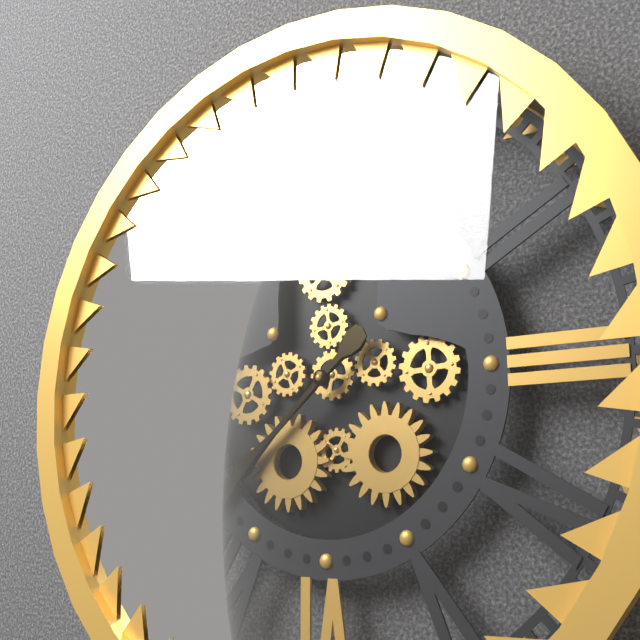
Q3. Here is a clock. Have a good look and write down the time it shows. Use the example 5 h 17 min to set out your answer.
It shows 7 h 38 min
